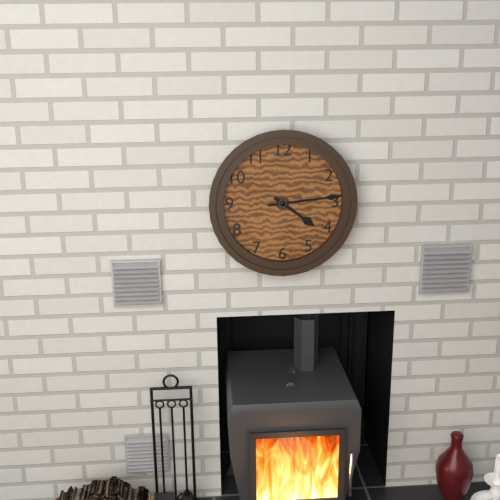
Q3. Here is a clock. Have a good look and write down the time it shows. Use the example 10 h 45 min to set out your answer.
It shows 4 h 14 min
